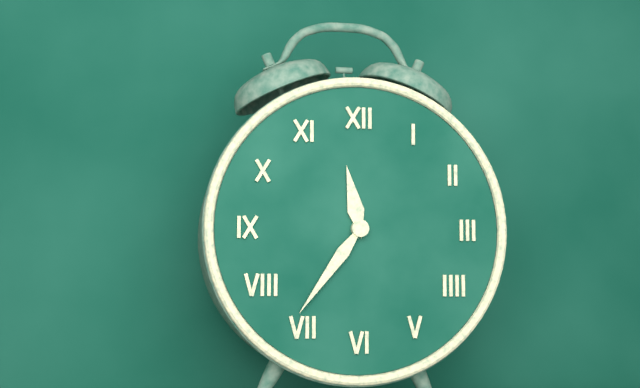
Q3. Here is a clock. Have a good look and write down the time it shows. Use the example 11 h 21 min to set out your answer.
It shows 11 h 36 min
